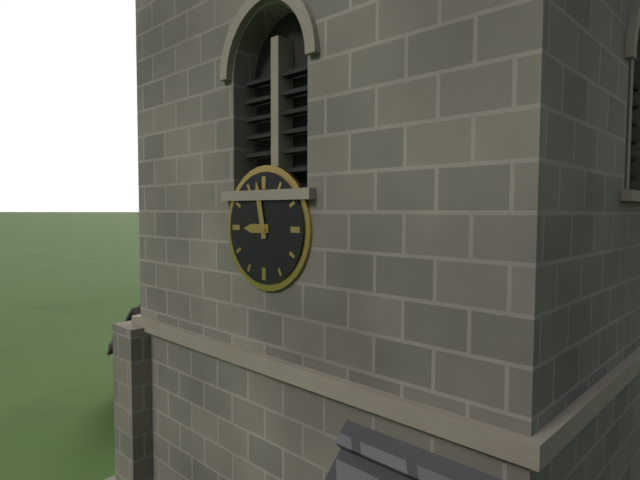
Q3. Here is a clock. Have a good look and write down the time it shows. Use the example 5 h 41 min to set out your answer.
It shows 8 h 58 min
